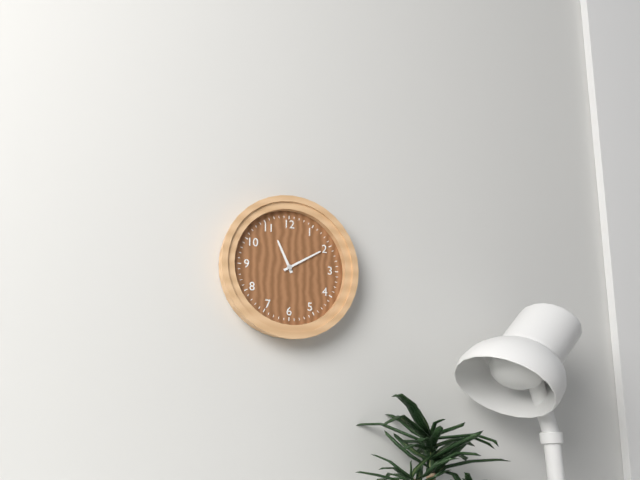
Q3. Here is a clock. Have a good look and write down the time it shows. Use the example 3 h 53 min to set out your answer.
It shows 11 h 10 min
